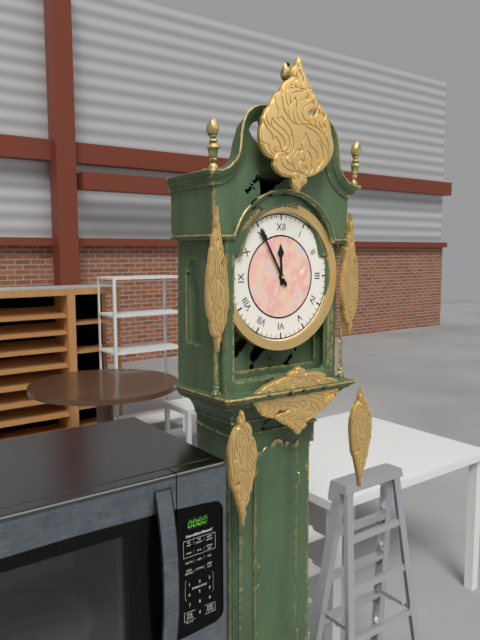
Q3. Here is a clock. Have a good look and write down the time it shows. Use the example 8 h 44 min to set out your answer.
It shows 11 h 55 min
